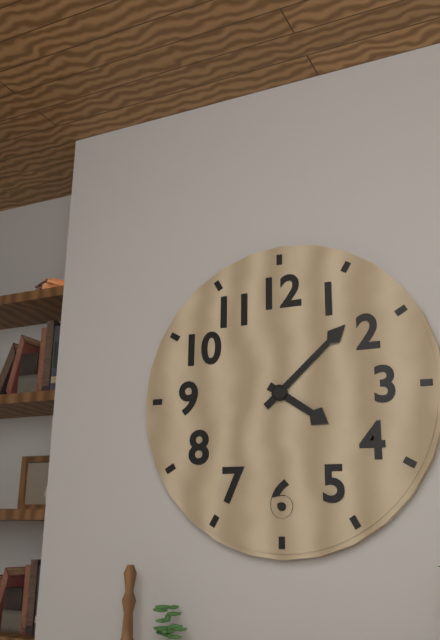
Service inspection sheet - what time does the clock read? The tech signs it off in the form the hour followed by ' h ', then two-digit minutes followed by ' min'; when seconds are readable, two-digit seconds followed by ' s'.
4 h 08 min
